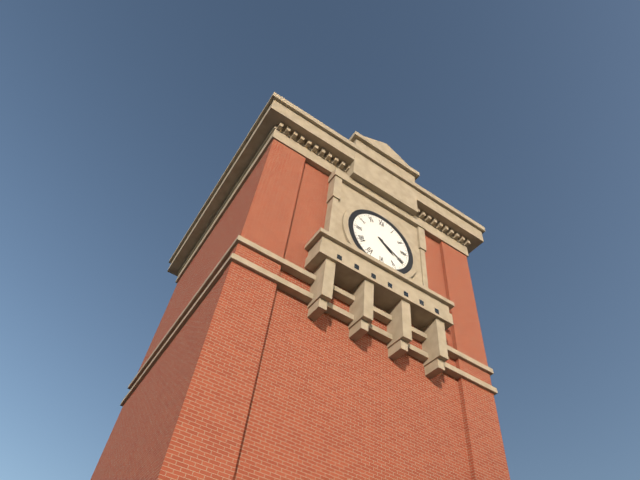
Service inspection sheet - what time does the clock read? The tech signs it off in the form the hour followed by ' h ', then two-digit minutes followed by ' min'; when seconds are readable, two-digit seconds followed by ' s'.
4 h 20 min
